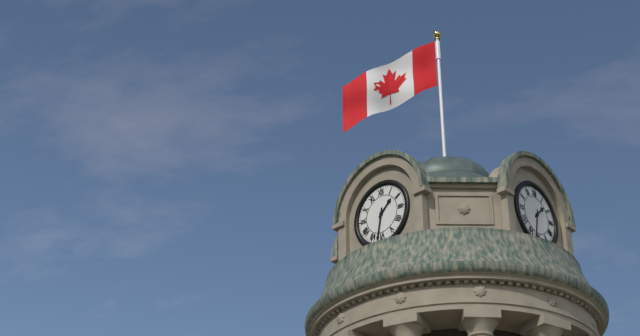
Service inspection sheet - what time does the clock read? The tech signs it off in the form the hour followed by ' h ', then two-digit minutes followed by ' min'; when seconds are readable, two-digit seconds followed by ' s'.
1 h 32 min
